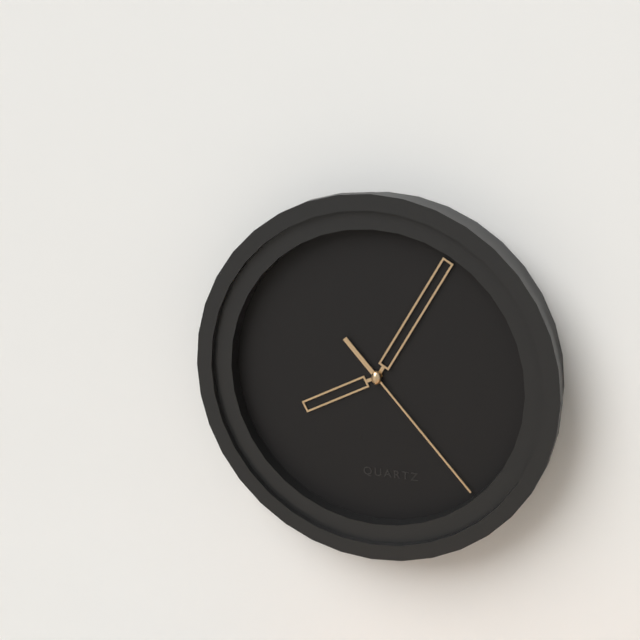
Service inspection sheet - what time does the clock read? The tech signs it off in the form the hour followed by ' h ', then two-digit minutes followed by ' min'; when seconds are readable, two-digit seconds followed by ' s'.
8 h 05 min 23 s
